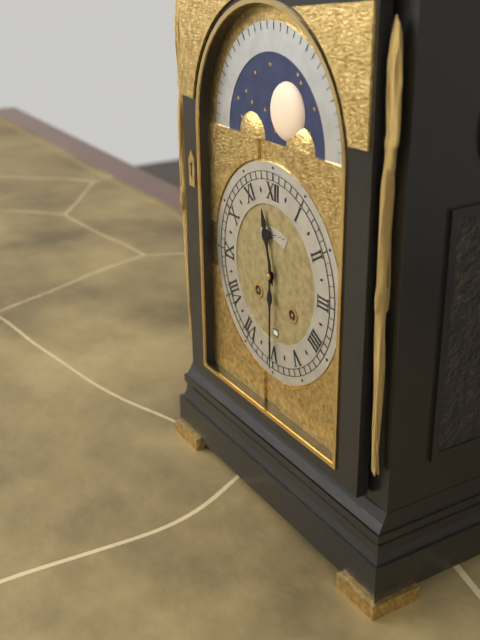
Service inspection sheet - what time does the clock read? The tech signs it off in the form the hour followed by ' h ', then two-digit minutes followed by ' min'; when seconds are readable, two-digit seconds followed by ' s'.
11 h 30 min
